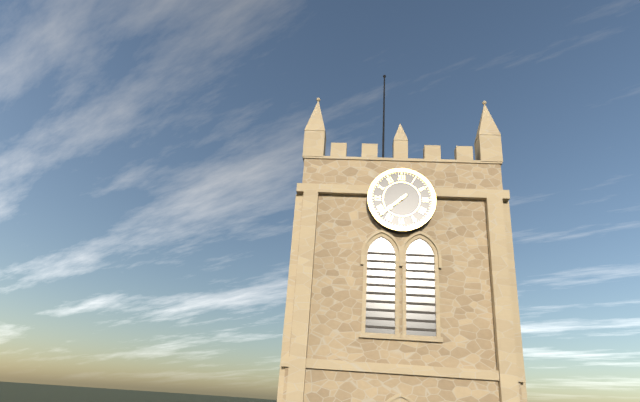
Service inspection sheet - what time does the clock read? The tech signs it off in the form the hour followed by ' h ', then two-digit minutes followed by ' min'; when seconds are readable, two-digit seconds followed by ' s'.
7 h 38 min
